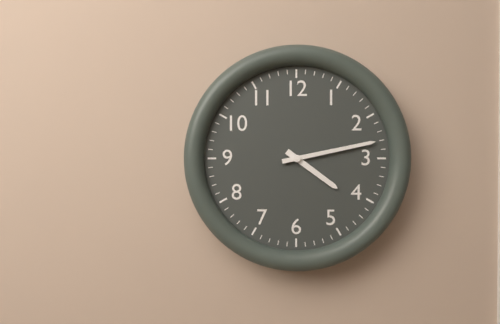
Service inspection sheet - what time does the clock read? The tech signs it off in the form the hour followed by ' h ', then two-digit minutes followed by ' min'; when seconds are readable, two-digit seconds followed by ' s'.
4 h 13 min
